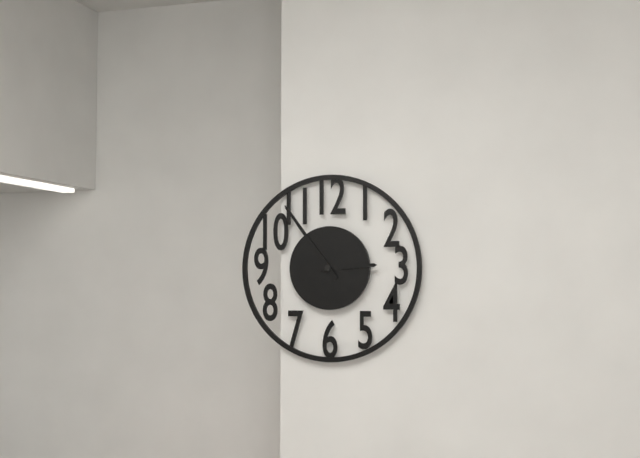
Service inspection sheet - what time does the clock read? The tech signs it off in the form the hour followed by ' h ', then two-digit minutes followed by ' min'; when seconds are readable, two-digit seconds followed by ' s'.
2 h 54 min
